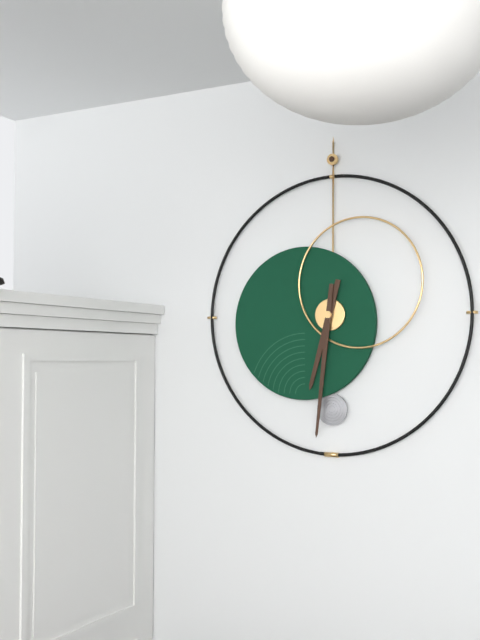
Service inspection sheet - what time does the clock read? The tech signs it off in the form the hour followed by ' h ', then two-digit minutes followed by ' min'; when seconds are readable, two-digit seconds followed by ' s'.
6 h 31 min
